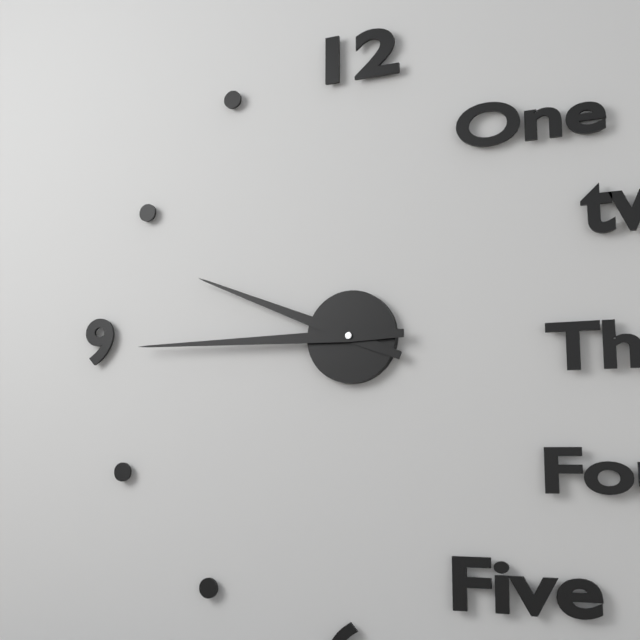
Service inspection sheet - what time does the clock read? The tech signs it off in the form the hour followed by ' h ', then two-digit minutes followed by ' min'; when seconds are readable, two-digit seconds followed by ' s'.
9 h 45 min
